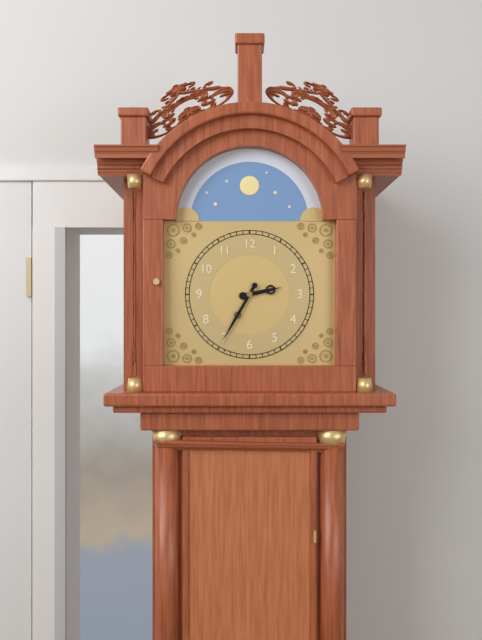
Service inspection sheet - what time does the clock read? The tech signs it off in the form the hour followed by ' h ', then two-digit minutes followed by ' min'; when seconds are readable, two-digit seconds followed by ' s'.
2 h 35 min
